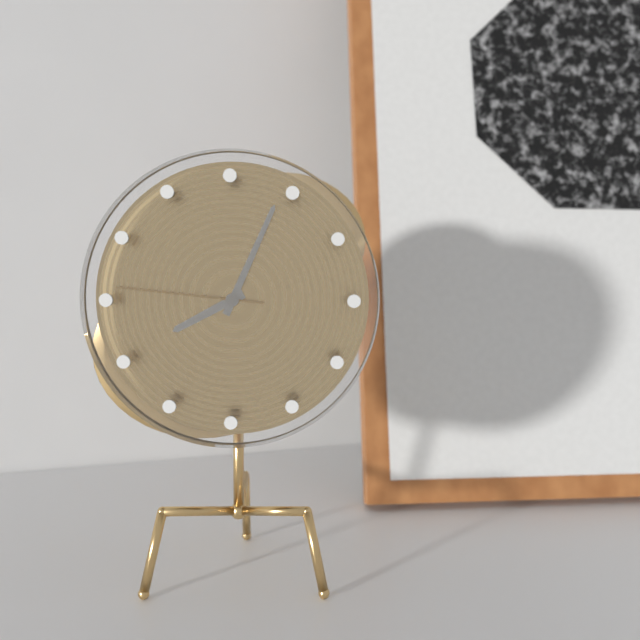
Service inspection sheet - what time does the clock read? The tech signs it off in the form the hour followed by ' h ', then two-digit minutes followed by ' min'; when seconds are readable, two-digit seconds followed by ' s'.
8 h 04 min 46 s
